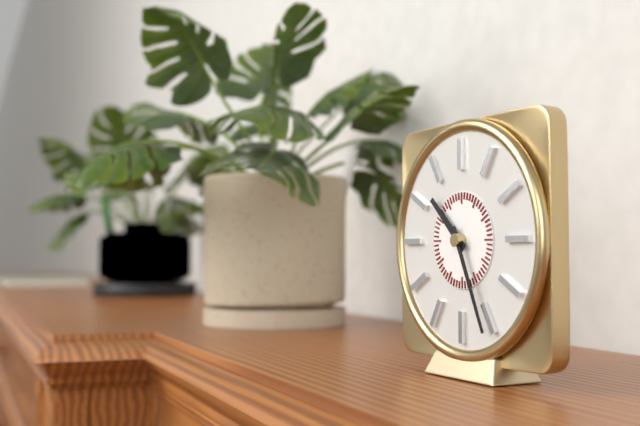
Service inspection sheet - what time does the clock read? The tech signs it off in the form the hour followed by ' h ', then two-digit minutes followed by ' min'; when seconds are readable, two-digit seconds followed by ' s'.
10 h 26 min
